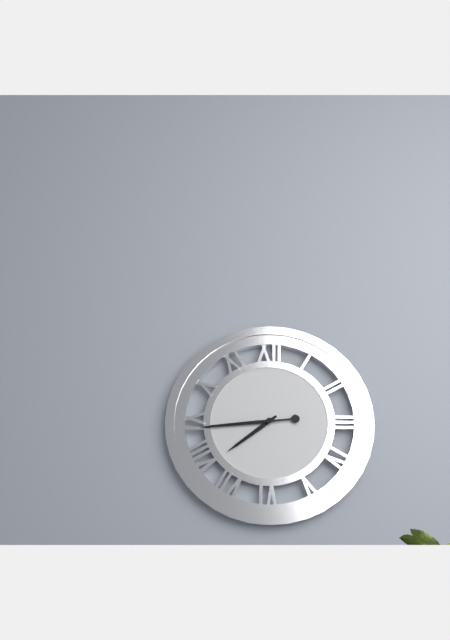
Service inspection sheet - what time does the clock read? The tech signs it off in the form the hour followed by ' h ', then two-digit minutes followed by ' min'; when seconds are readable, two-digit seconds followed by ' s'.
7 h 44 min
